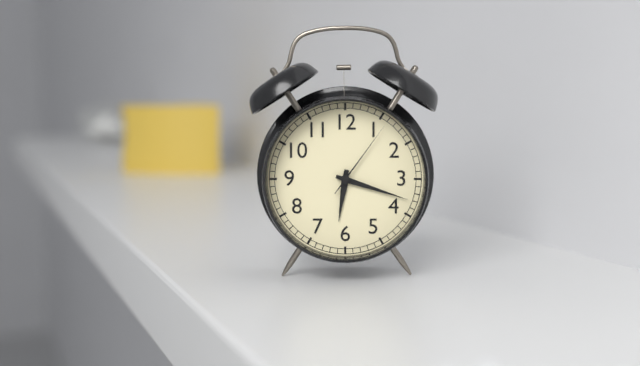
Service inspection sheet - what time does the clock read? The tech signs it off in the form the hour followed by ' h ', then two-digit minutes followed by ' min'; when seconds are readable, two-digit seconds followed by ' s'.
6 h 18 min 06 s
